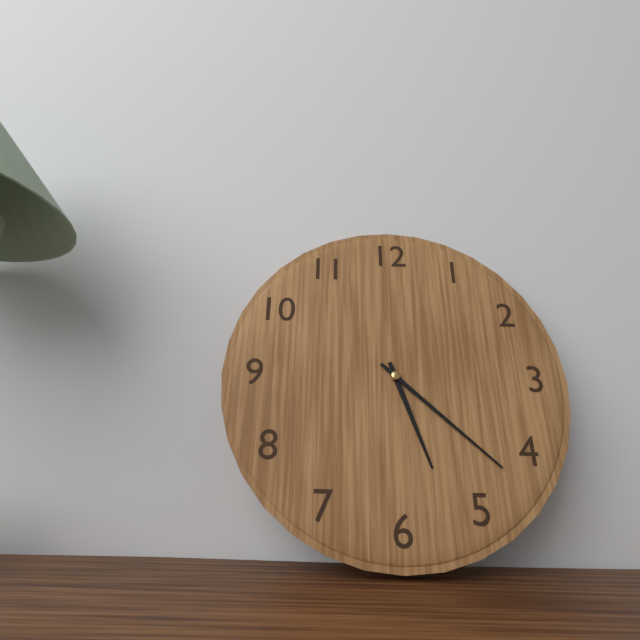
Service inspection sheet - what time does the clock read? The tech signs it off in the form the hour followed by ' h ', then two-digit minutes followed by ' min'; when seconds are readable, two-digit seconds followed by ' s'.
5 h 22 min
